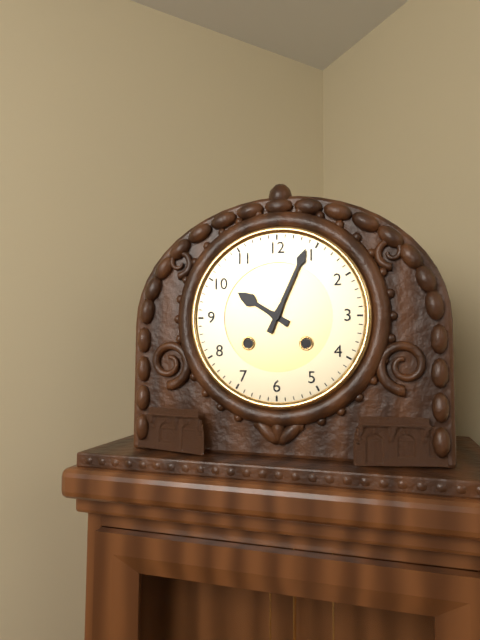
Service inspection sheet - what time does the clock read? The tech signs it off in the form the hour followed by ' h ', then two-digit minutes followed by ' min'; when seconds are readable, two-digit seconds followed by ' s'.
10 h 04 min
